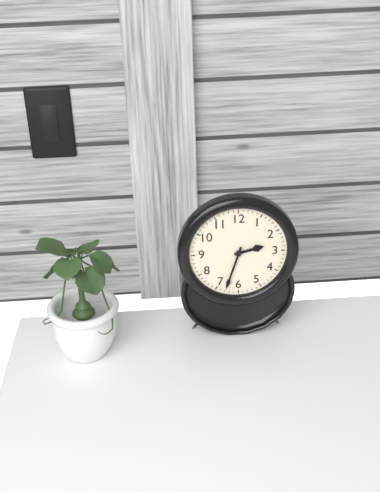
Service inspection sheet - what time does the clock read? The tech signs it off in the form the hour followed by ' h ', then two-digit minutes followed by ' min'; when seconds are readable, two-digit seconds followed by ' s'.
2 h 33 min
